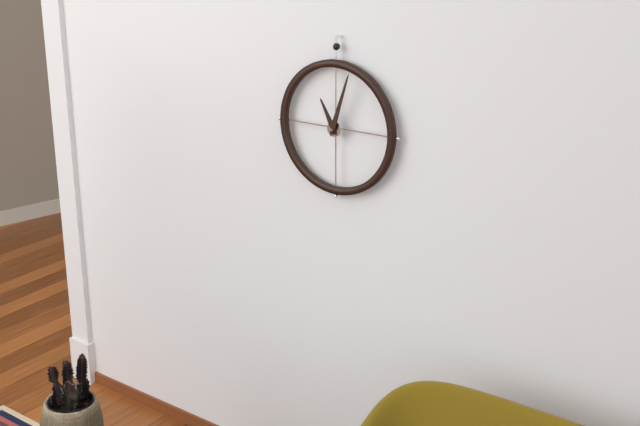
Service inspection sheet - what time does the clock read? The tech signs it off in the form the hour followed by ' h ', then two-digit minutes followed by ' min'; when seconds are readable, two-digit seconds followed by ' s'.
11 h 03 min
